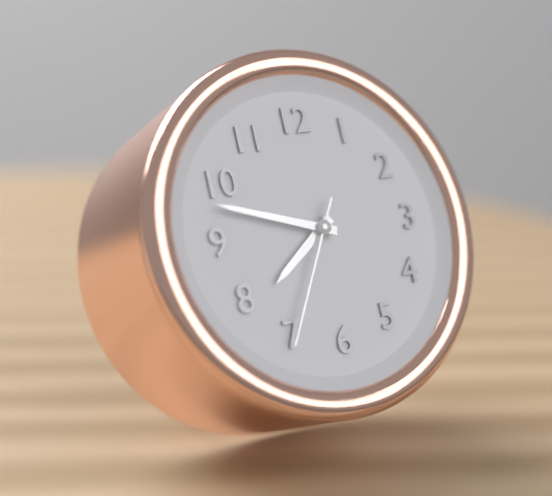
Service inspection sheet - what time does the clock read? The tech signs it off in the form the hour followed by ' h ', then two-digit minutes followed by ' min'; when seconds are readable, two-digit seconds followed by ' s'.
7 h 48 min 35 s
